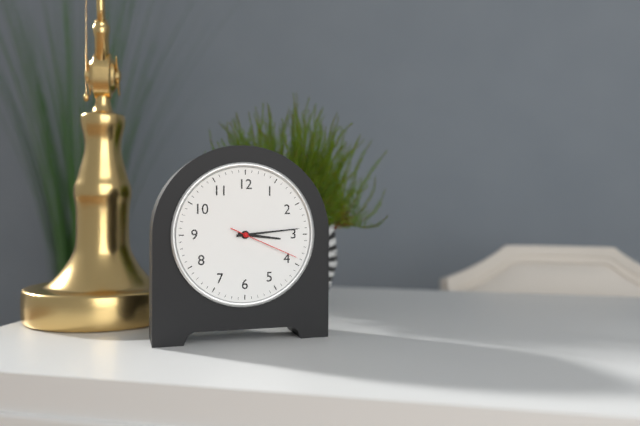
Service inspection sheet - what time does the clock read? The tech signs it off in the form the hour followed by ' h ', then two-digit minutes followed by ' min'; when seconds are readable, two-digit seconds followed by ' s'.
3 h 14 min 19 s
